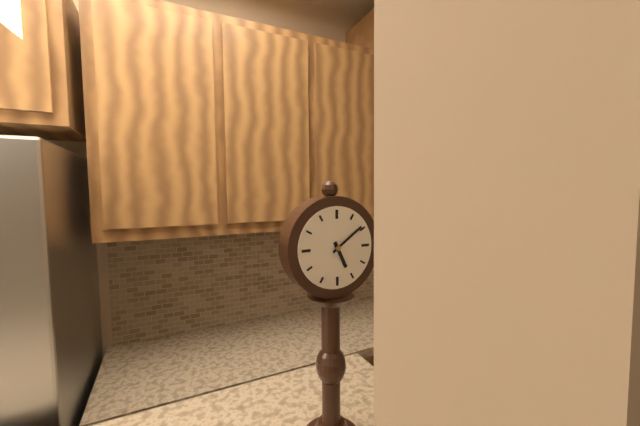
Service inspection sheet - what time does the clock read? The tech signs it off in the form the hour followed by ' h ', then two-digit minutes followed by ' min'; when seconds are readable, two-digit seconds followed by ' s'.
5 h 09 min
